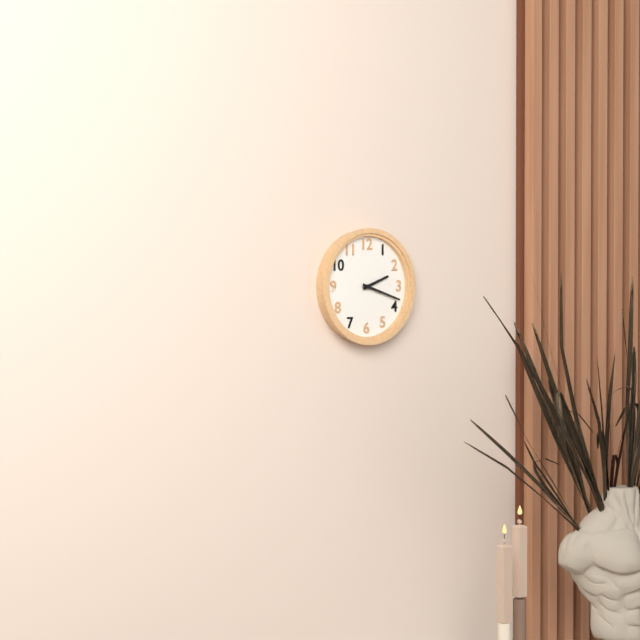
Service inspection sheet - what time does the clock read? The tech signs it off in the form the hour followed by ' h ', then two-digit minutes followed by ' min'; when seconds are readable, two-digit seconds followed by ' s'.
2 h 18 min
